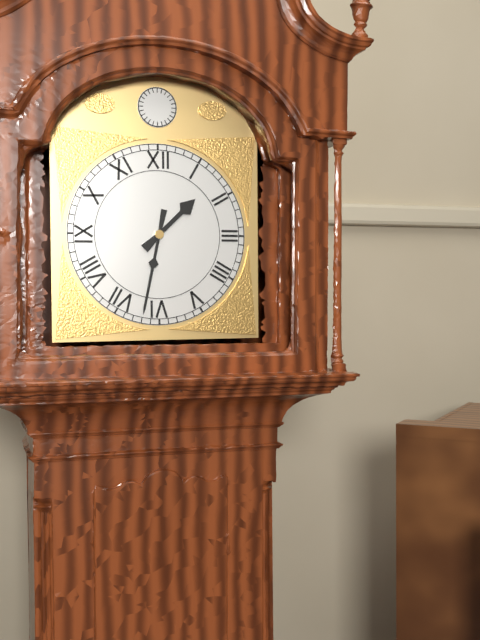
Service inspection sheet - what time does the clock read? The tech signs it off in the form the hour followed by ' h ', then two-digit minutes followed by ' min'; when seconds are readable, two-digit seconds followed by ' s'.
1 h 32 min
